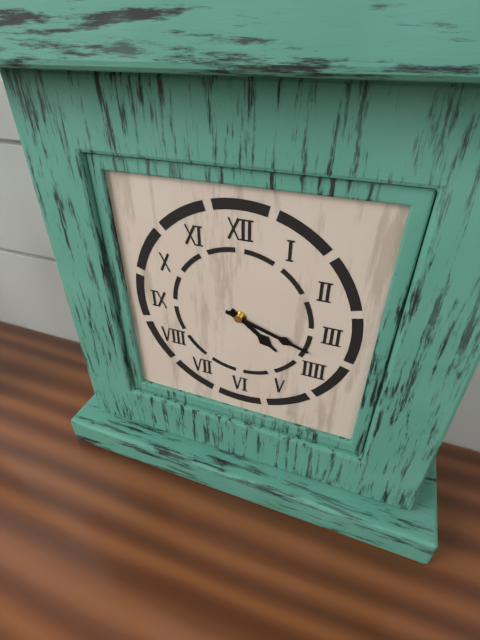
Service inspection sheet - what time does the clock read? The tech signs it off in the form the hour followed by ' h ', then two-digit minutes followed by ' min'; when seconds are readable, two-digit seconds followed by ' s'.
4 h 18 min
